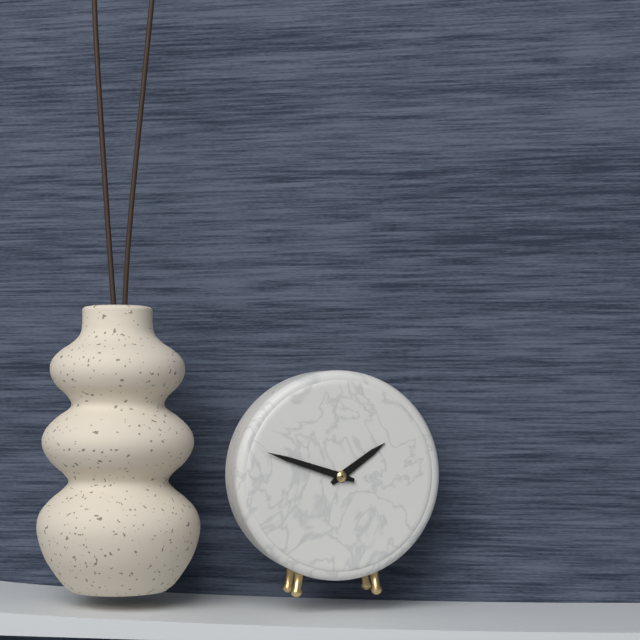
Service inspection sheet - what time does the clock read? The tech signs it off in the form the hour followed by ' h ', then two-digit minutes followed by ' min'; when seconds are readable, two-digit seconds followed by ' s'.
1 h 48 min
